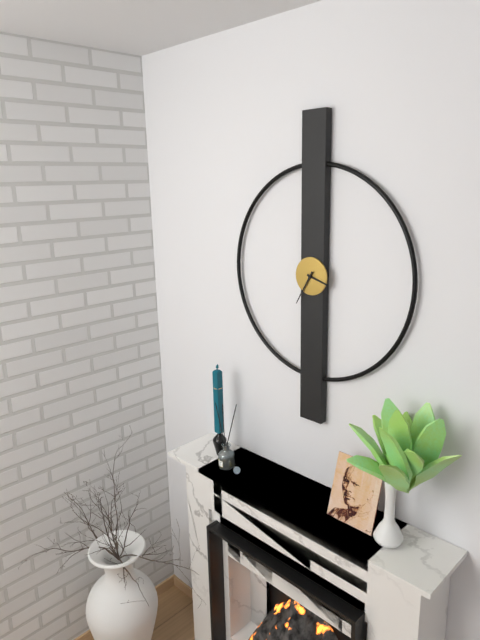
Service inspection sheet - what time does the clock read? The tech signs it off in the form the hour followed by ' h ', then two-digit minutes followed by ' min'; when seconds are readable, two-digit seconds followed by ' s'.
3 h 35 min
